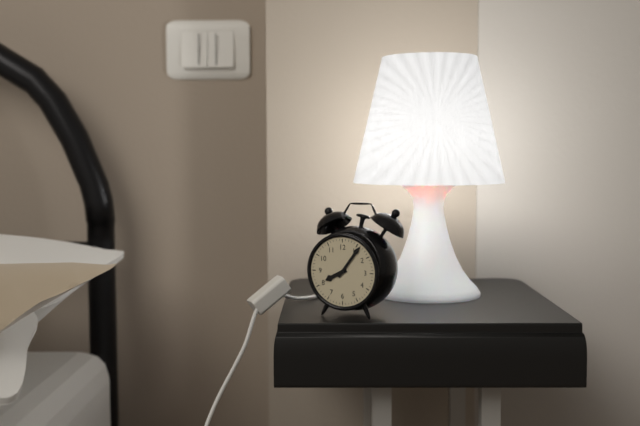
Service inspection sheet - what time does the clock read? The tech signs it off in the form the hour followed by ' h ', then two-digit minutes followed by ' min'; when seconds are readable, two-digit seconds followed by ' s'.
8 h 06 min
